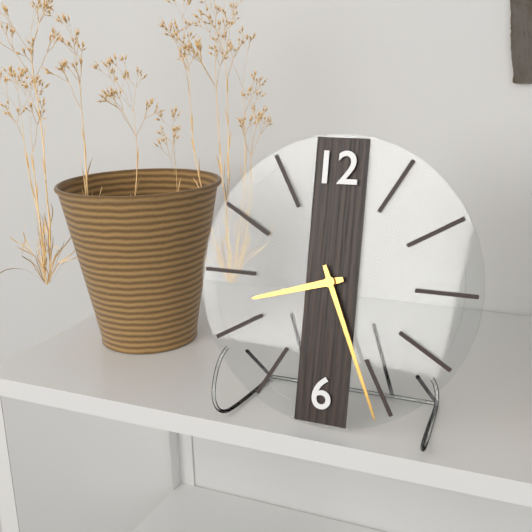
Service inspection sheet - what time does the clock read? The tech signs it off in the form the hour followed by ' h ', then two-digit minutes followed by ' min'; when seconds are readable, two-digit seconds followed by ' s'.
8 h 26 min
